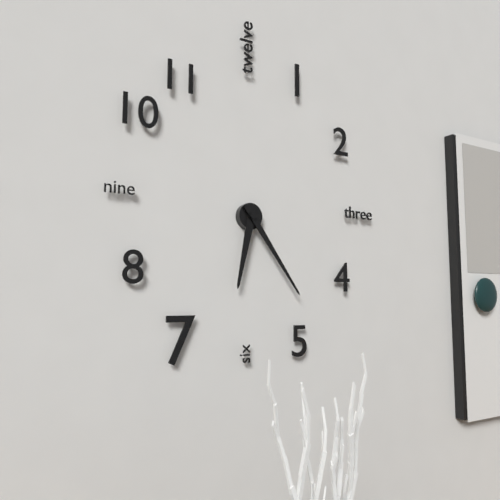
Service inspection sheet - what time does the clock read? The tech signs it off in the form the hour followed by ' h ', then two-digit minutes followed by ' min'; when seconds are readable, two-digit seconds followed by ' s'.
6 h 24 min
